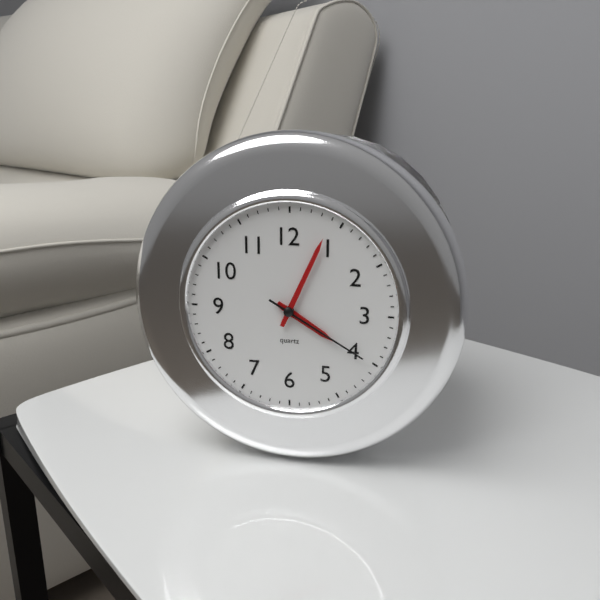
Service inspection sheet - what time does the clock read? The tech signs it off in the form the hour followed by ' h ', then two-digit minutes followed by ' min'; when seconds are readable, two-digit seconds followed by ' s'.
4 h 04 min 20 s
